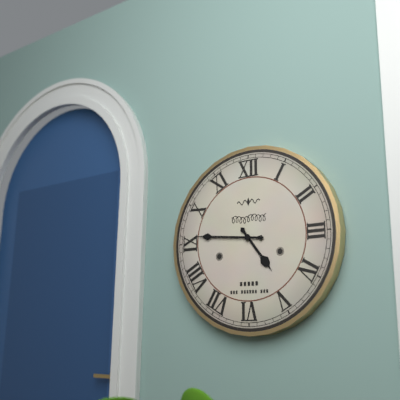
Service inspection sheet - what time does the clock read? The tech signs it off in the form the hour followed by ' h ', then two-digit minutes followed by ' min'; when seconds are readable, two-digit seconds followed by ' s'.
4 h 46 min
